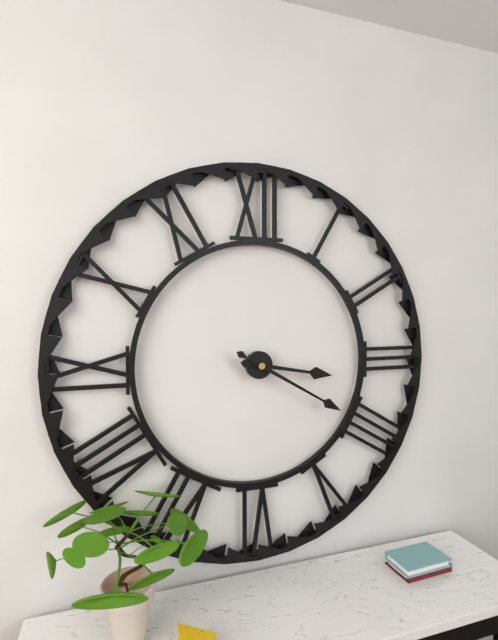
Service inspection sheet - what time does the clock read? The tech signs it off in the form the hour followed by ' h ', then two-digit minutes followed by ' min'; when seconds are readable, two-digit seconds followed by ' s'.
3 h 20 min
